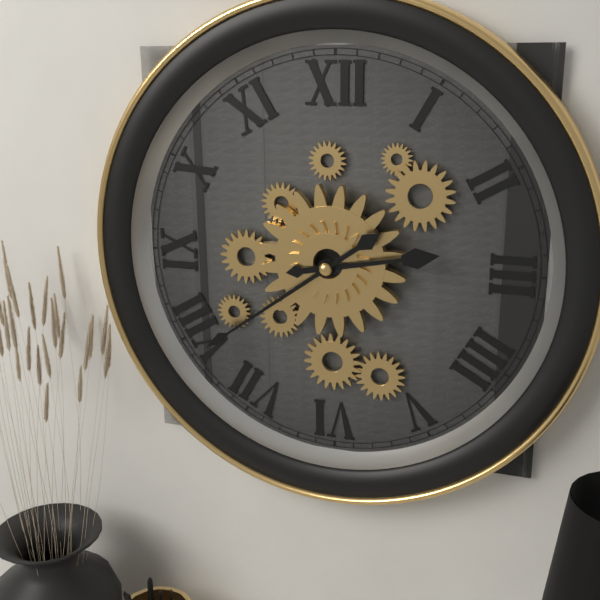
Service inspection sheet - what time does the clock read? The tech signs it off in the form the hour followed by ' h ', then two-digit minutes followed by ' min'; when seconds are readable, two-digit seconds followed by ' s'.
2 h 39 min
